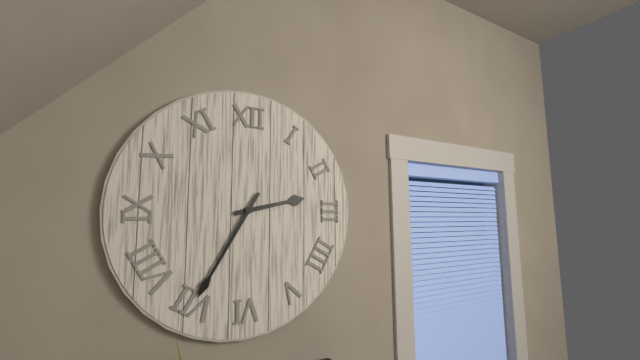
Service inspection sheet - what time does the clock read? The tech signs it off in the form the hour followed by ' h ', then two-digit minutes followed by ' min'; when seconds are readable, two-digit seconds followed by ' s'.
2 h 35 min
